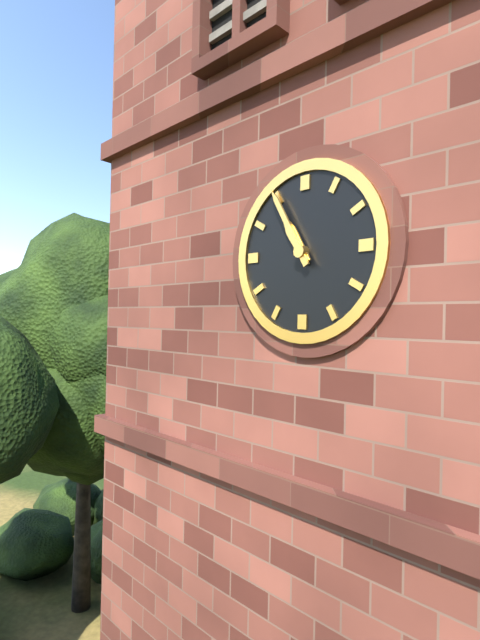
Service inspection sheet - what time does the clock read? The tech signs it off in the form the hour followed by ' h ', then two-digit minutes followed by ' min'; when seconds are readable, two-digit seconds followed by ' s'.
10 h 55 min
